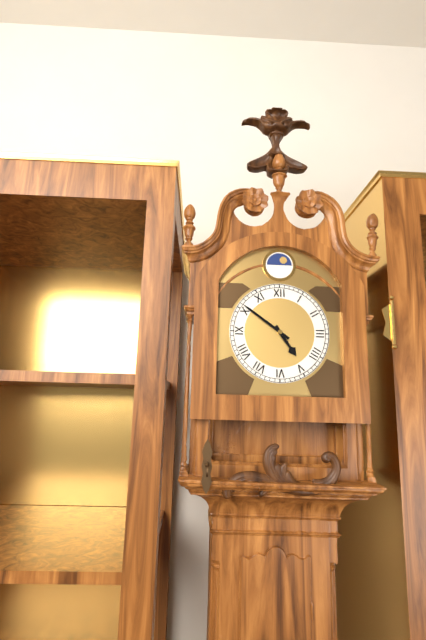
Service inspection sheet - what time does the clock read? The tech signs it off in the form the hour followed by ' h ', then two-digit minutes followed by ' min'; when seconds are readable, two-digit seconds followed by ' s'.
4 h 51 min
